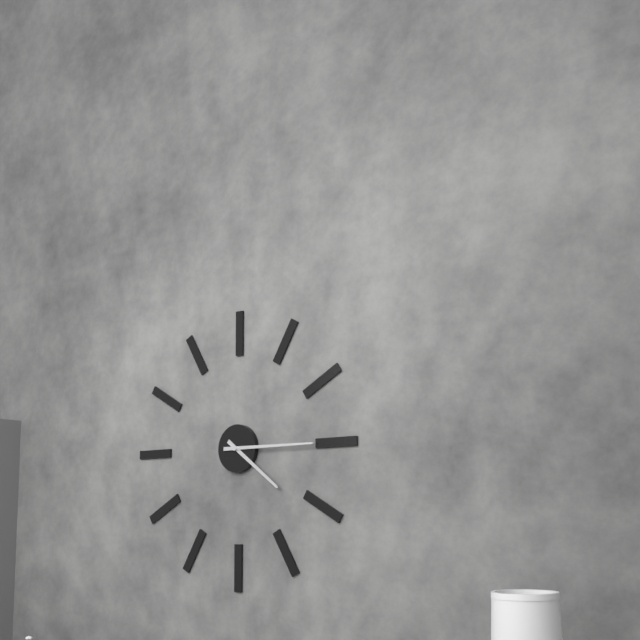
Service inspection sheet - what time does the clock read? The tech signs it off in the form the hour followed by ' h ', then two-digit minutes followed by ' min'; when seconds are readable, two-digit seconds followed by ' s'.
4 h 15 min
